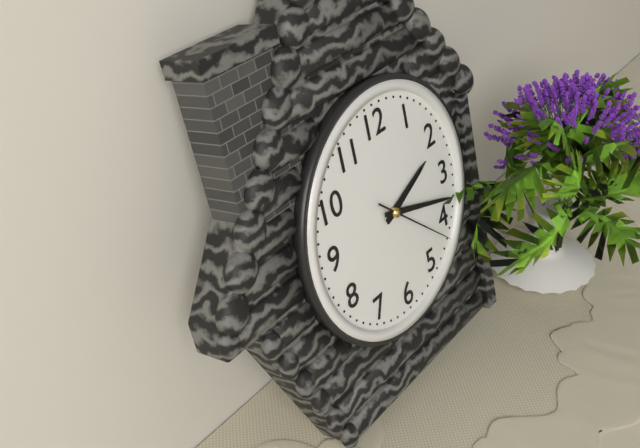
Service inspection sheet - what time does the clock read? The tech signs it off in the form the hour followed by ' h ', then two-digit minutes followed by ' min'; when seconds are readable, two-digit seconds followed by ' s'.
2 h 18 min 22 s
